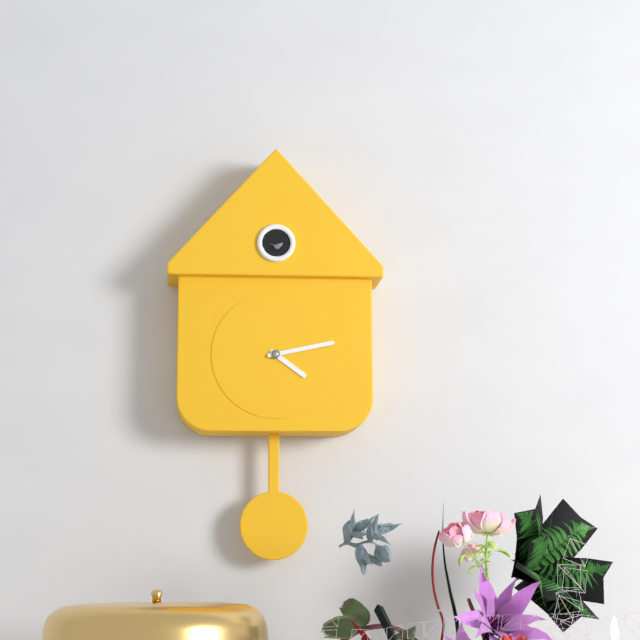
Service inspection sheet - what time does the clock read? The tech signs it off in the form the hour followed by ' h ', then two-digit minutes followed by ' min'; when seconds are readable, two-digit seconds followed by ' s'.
4 h 13 min
